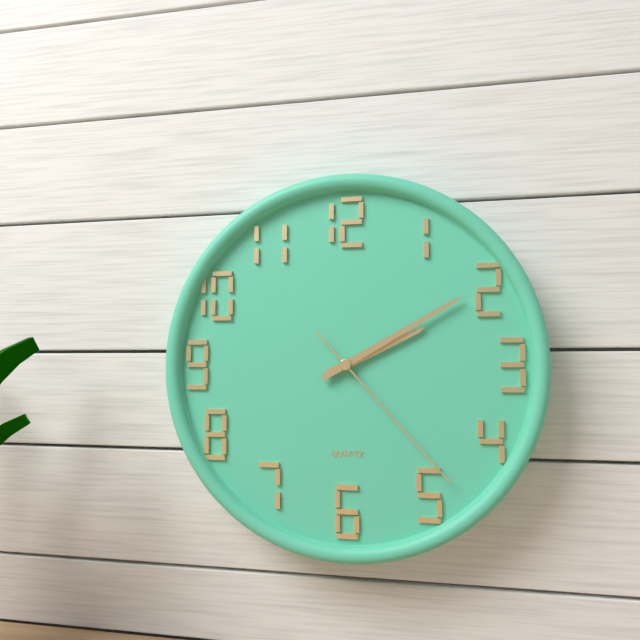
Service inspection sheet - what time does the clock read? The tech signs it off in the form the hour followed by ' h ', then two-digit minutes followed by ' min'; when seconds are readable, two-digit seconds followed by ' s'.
2 h 10 min 23 s
